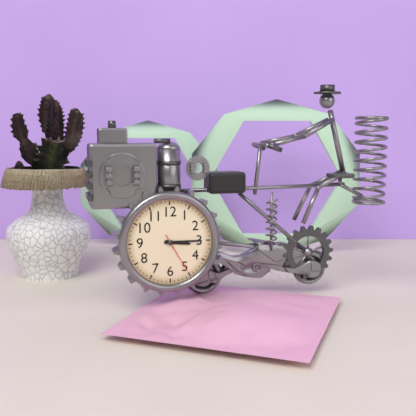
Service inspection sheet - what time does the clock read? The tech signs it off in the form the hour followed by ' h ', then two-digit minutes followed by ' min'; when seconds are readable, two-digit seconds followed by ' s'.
3 h 15 min
